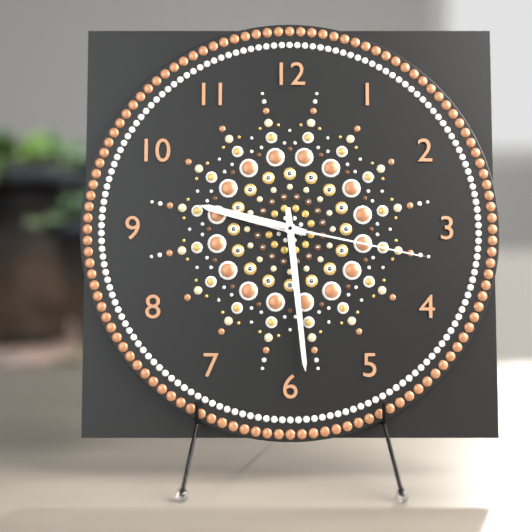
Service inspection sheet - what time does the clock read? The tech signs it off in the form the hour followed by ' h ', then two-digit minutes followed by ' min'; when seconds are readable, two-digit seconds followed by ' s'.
9 h 29 min 17 s
